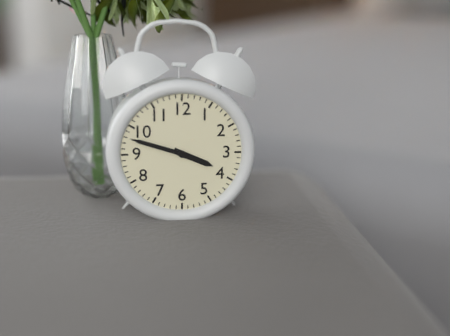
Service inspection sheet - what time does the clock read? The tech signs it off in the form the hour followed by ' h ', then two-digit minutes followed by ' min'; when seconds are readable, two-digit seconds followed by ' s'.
3 h 48 min
